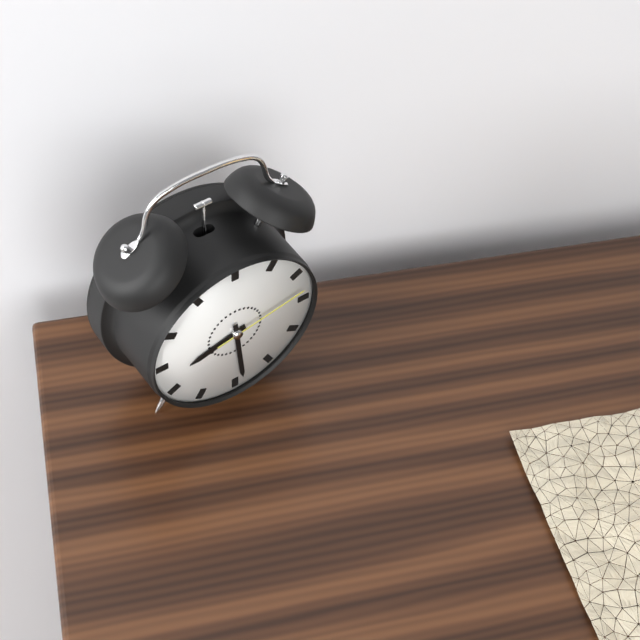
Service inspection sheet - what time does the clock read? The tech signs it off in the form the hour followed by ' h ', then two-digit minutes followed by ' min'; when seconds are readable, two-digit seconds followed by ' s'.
8 h 29 min 13 s
